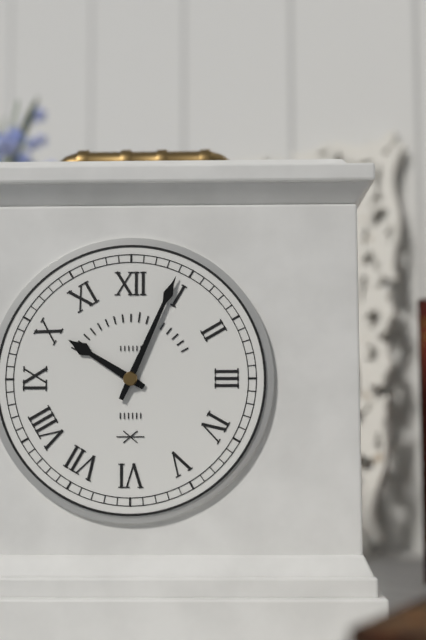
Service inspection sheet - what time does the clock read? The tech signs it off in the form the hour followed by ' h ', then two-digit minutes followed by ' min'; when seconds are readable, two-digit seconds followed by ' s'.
10 h 04 min
